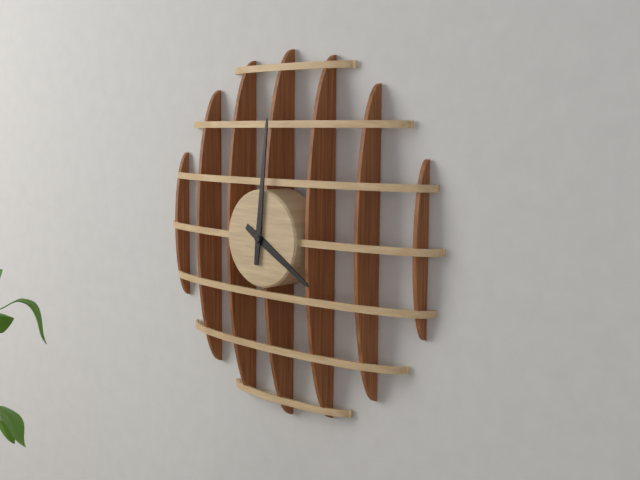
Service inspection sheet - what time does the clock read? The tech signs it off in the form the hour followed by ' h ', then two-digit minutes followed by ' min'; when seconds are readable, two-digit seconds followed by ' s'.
4 h 01 min
